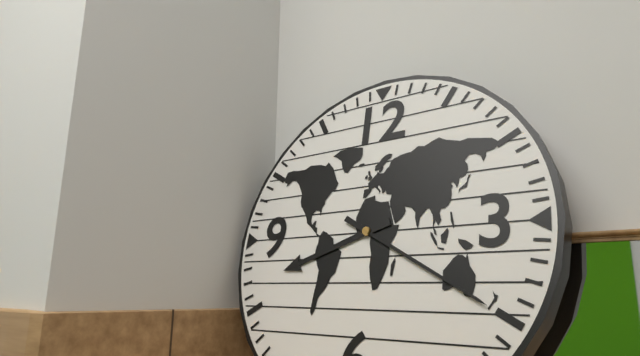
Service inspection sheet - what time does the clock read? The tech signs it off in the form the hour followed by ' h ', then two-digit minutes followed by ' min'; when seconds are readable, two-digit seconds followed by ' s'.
8 h 20 min
